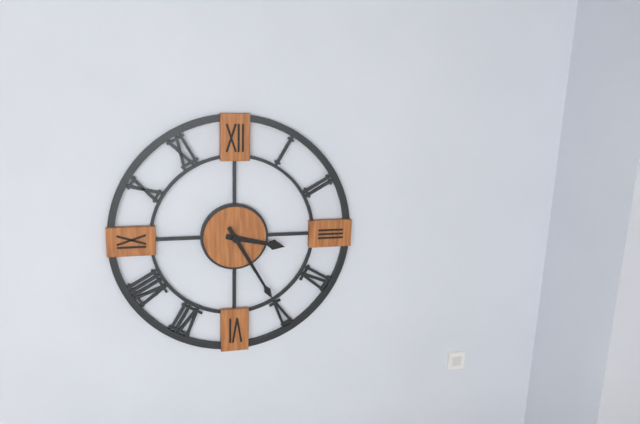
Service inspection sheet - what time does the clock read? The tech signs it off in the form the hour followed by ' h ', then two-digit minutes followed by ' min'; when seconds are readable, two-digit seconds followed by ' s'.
3 h 25 min
